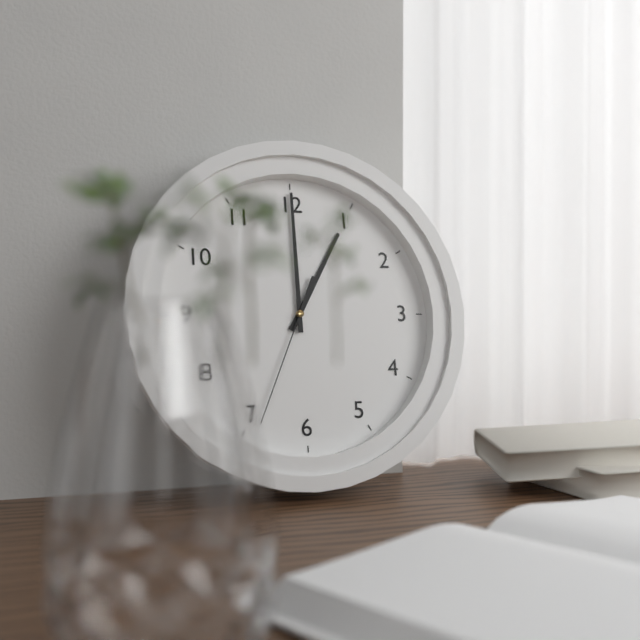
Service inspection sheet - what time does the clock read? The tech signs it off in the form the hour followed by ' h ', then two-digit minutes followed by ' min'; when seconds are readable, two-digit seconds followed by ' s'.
1 h 00 min 34 s
